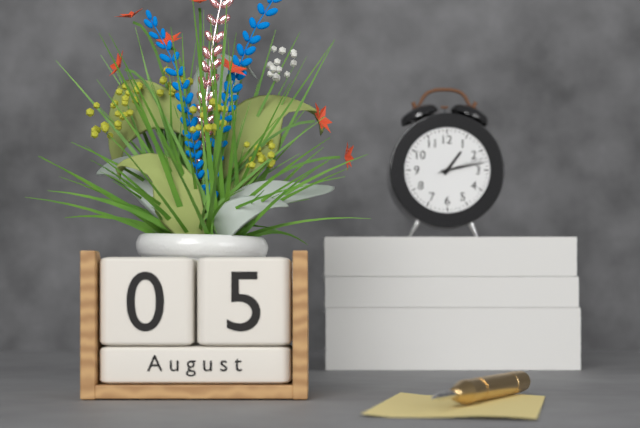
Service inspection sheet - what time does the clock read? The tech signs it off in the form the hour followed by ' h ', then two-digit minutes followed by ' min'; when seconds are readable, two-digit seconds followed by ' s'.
1 h 13 min
